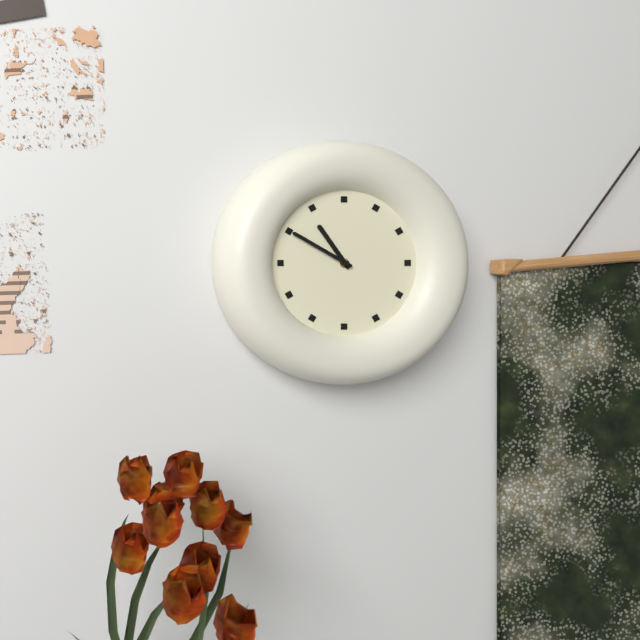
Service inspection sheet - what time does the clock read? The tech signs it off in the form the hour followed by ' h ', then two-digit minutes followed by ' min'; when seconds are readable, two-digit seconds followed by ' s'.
10 h 50 min
